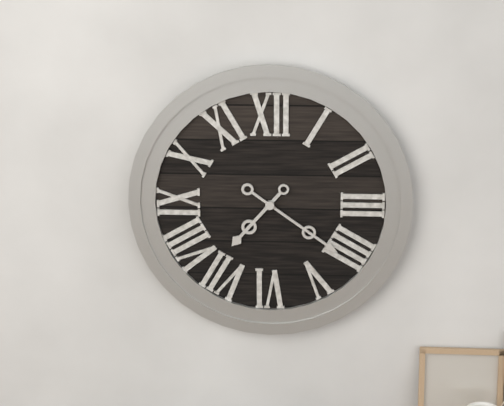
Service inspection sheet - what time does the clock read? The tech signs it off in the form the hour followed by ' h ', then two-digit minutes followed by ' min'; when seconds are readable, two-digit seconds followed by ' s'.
7 h 21 min
